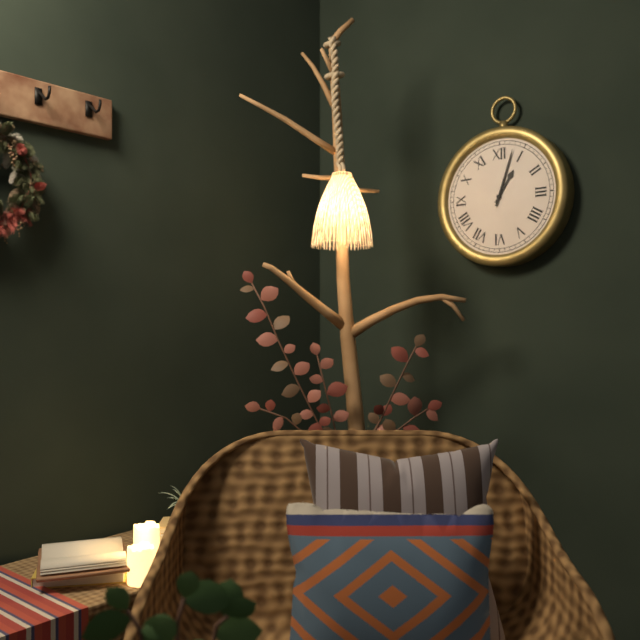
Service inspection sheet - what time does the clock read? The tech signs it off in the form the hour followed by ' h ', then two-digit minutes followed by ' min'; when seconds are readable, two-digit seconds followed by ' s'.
1 h 03 min
